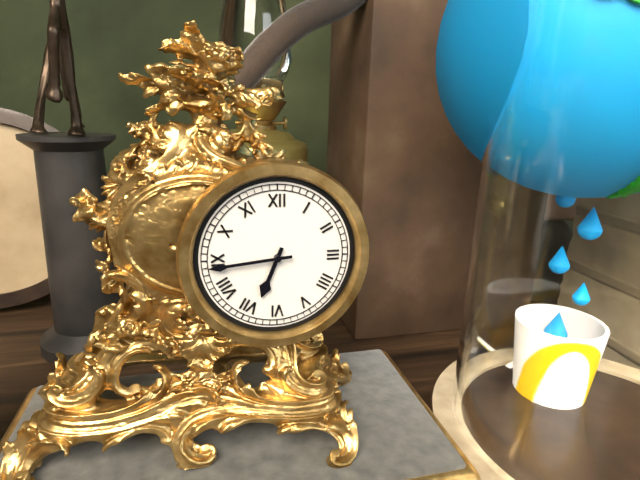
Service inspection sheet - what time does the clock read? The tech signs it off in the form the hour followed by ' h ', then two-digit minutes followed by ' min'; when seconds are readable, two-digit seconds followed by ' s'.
6 h 44 min
